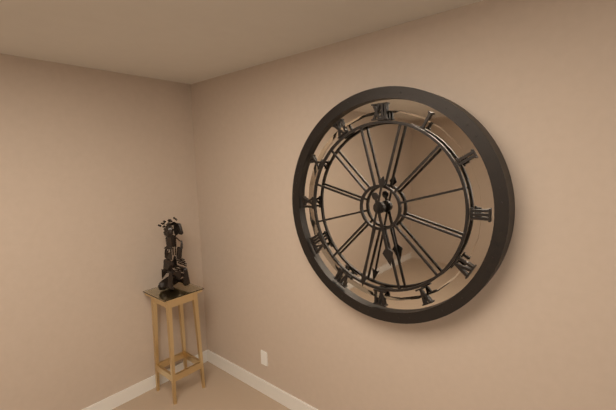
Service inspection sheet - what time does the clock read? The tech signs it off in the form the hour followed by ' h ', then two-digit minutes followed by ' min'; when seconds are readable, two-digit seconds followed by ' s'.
5 h 32 min
